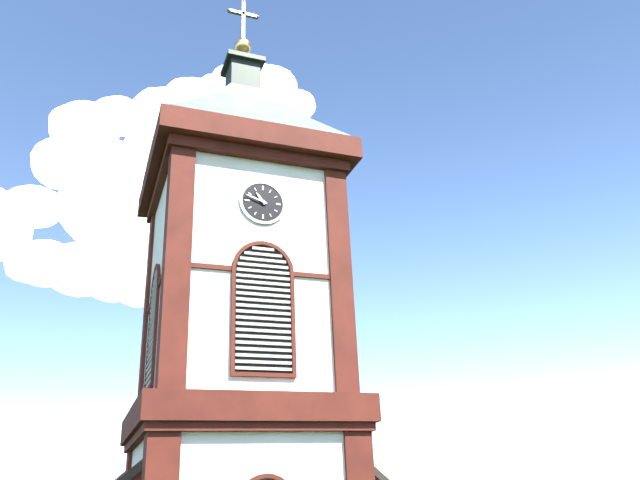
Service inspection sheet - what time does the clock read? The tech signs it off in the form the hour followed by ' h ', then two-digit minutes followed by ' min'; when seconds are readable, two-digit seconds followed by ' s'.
10 h 48 min
